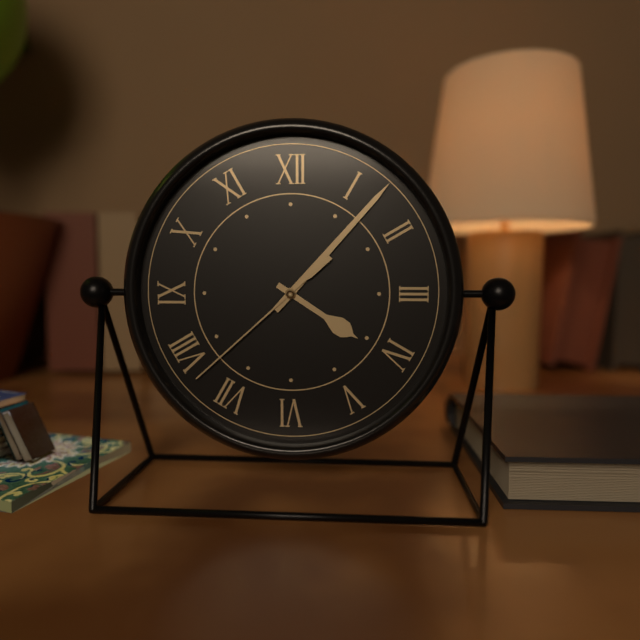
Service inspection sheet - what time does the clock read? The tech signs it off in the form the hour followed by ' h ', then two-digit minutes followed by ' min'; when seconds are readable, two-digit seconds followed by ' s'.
4 h 07 min 38 s
